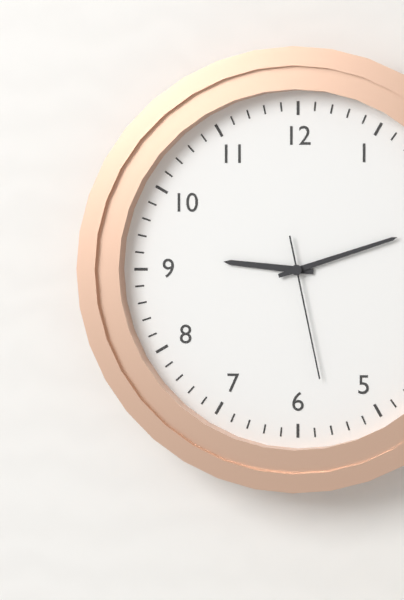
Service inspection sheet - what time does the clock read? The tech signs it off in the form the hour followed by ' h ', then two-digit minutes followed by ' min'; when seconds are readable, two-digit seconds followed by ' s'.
9 h 12 min 28 s
